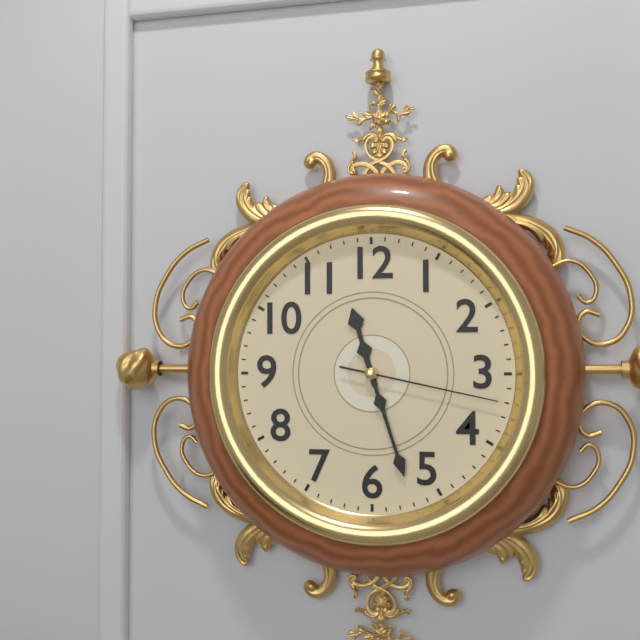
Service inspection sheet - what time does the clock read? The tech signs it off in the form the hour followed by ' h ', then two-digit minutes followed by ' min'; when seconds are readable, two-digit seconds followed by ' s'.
11 h 27 min 17 s
